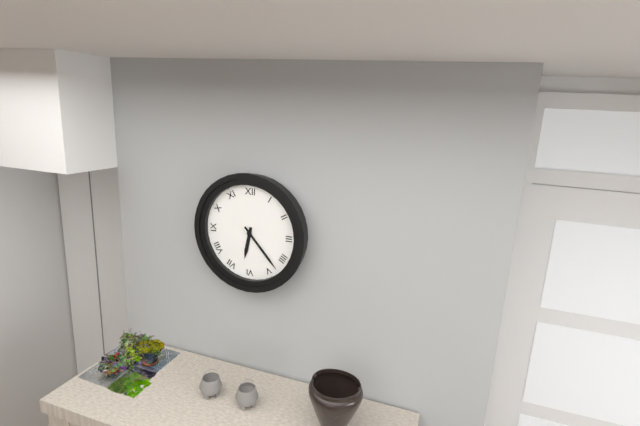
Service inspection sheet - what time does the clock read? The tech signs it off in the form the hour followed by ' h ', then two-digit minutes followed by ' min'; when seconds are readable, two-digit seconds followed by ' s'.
6 h 23 min
